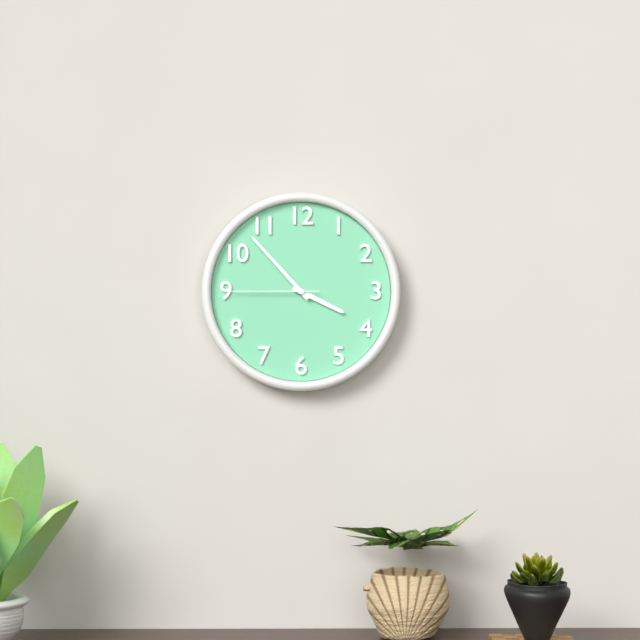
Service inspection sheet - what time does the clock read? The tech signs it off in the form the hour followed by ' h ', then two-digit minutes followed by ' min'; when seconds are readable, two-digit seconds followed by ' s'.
3 h 53 min 45 s
